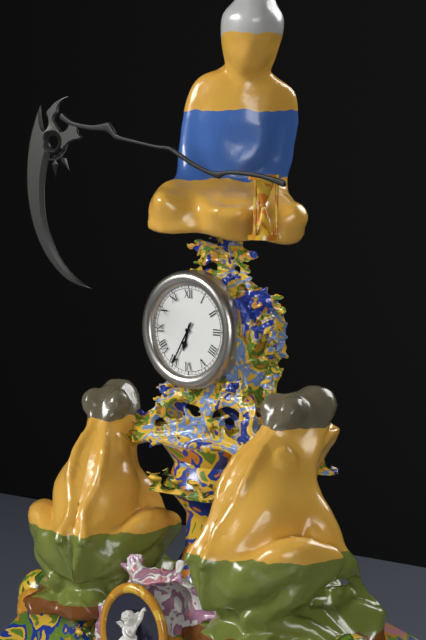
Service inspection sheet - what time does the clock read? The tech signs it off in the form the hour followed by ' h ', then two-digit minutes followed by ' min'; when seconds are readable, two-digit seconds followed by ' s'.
6 h 35 min
